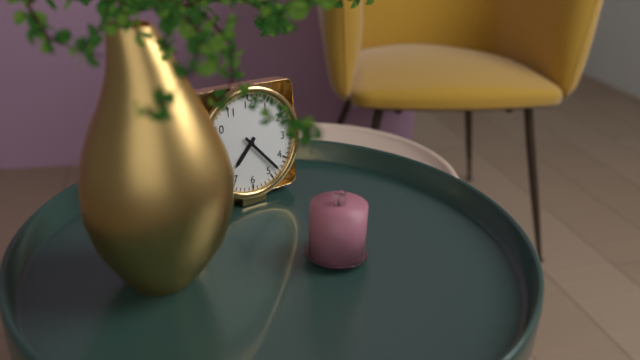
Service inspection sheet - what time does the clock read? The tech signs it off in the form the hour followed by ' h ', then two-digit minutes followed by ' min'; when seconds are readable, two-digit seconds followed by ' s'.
7 h 23 min
